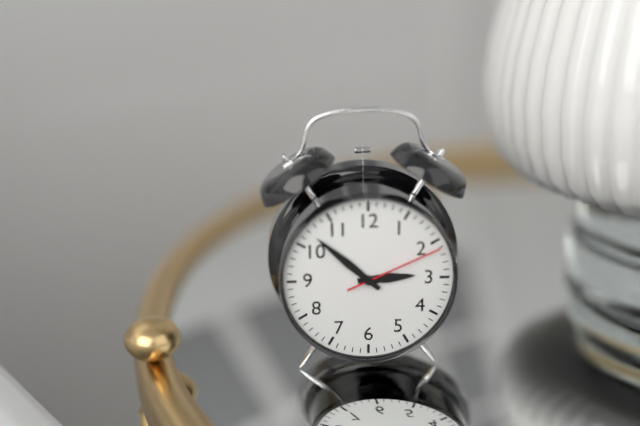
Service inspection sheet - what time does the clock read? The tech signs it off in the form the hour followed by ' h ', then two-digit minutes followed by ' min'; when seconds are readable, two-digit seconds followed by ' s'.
2 h 52 min 11 s
